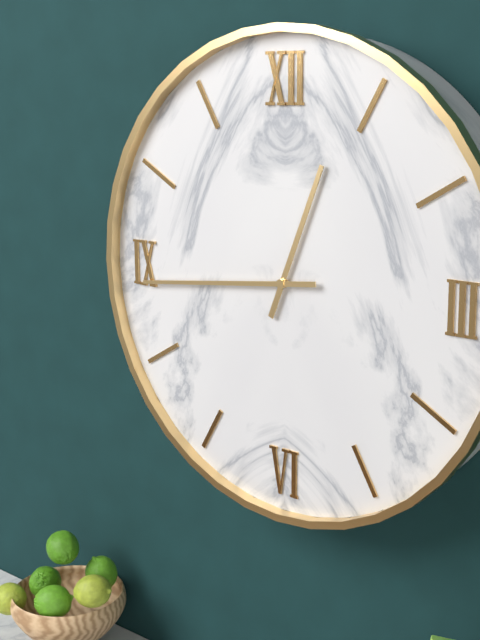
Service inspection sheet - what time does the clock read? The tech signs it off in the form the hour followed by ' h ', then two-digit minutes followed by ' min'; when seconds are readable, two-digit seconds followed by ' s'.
12 h 44 min
